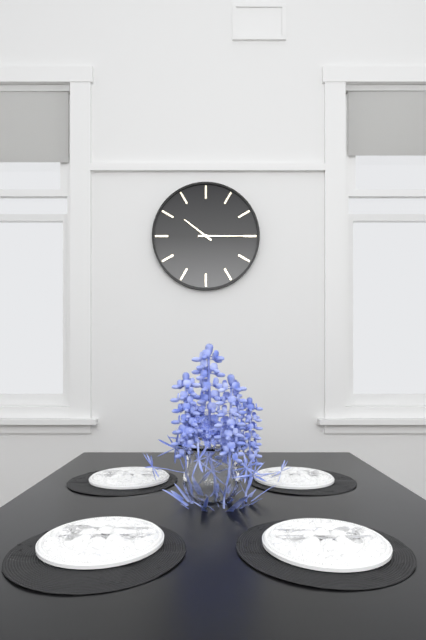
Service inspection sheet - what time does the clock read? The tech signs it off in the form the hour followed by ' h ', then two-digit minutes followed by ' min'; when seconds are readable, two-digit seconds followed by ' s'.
10 h 15 min
